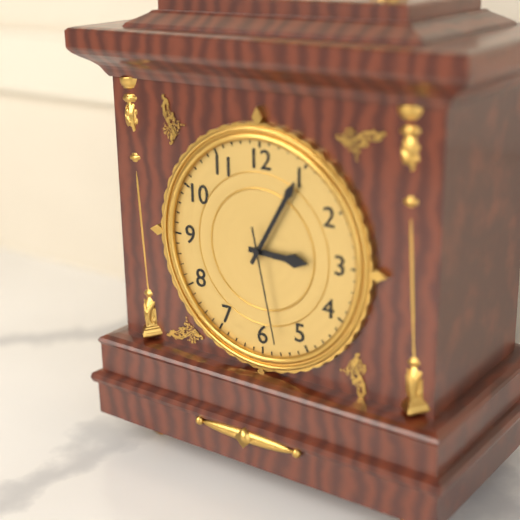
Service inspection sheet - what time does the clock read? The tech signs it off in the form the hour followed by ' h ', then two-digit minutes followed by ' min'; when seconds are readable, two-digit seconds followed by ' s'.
3 h 05 min 28 s
